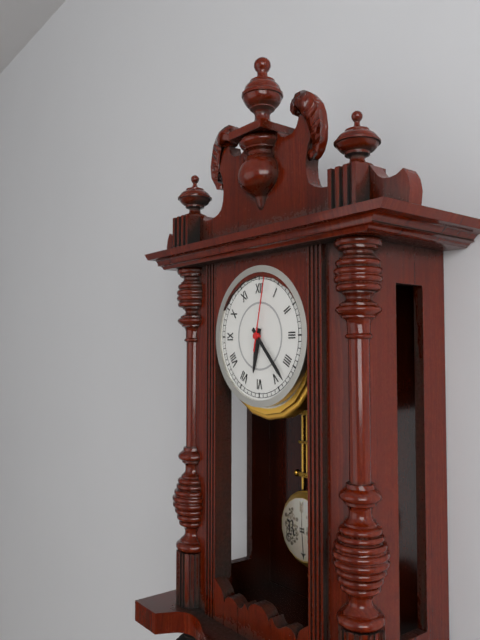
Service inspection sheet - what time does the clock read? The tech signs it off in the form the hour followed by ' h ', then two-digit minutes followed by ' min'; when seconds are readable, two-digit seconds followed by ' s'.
6 h 23 min 02 s
